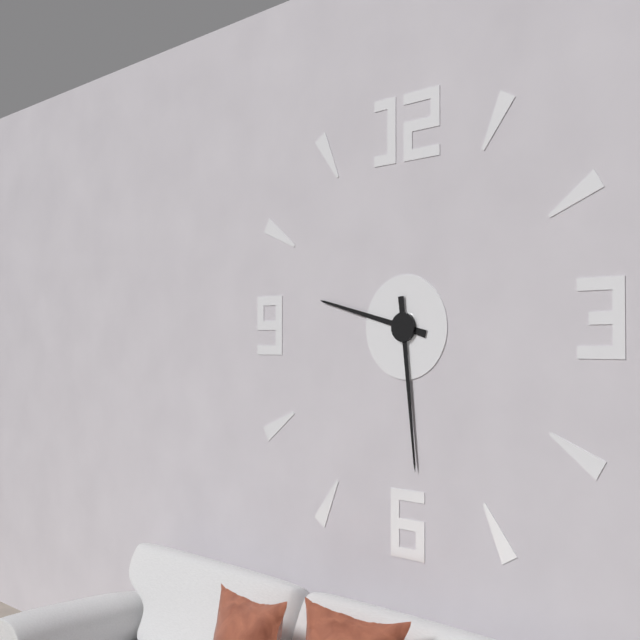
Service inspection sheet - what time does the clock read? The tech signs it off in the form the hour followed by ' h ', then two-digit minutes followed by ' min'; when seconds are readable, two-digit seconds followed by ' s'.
9 h 29 min
